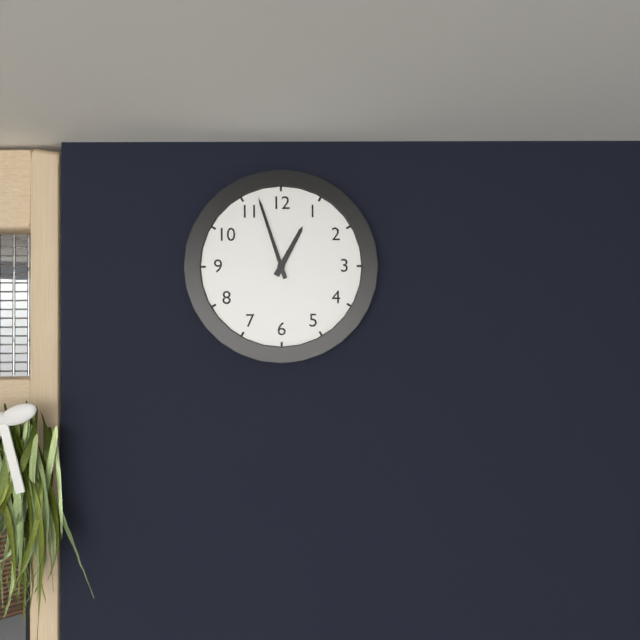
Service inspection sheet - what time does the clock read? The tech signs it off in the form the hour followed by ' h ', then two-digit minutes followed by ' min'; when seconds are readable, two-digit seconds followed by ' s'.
12 h 57 min
